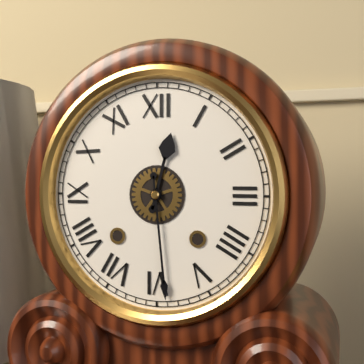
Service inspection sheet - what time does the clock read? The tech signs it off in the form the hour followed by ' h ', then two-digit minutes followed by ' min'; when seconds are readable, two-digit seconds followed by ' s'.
12 h 29 min
